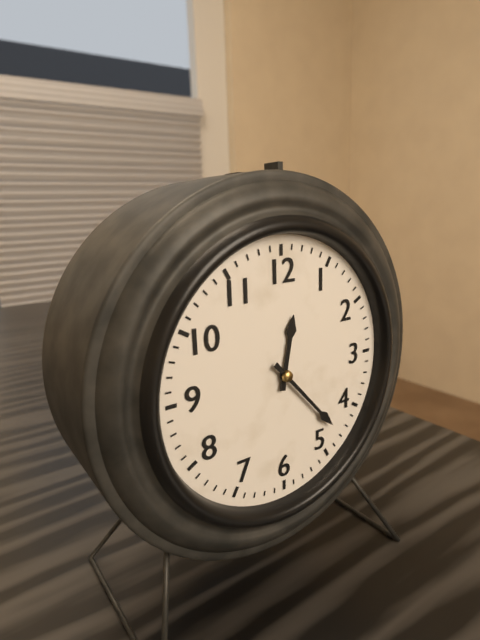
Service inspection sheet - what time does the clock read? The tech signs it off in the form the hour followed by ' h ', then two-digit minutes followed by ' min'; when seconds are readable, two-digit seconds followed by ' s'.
12 h 23 min
